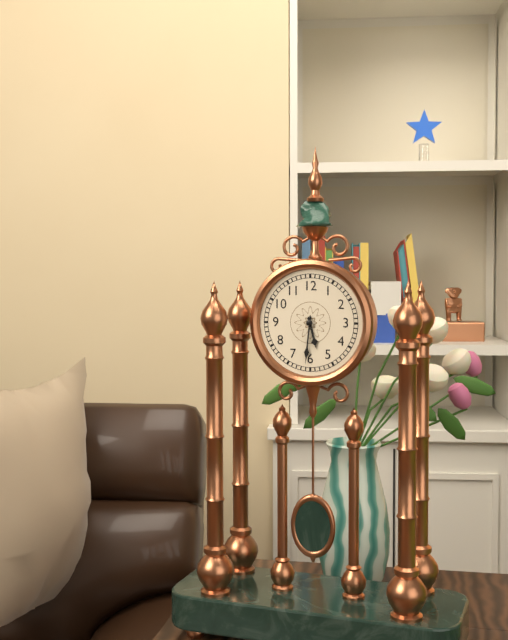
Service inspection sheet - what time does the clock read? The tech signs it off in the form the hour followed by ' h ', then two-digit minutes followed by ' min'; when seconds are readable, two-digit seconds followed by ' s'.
5 h 31 min
